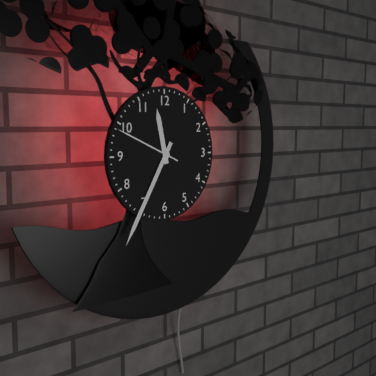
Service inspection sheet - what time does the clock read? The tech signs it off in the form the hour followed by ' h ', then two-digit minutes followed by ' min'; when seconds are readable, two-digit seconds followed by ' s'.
11 h 35 min 49 s
